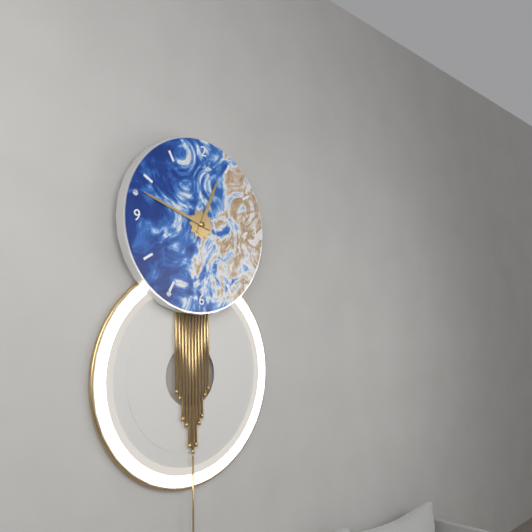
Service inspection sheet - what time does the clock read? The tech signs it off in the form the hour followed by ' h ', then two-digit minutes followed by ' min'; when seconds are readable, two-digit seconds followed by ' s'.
12 h 48 min
